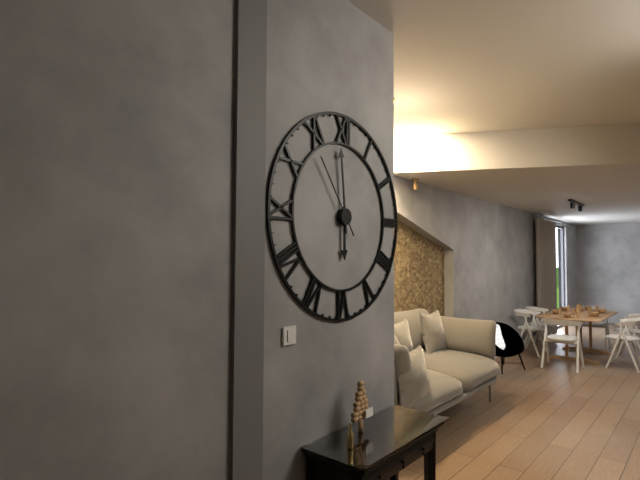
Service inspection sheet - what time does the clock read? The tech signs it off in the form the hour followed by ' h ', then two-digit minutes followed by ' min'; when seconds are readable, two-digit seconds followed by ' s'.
5 h 59 min 54 s
